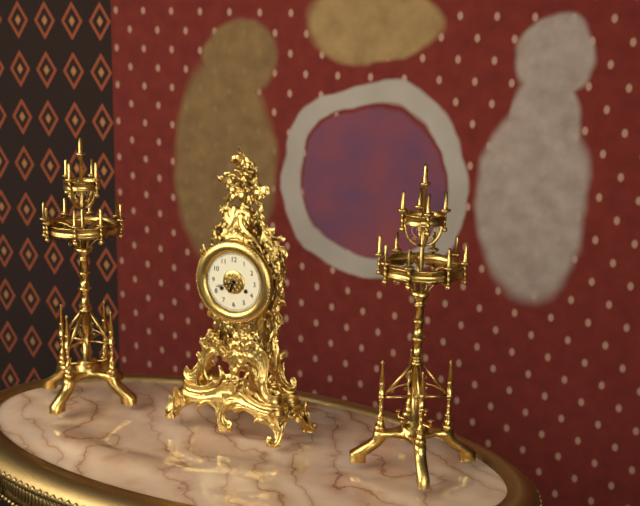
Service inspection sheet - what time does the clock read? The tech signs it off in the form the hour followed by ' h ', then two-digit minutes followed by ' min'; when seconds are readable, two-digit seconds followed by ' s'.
6 h 42 min
